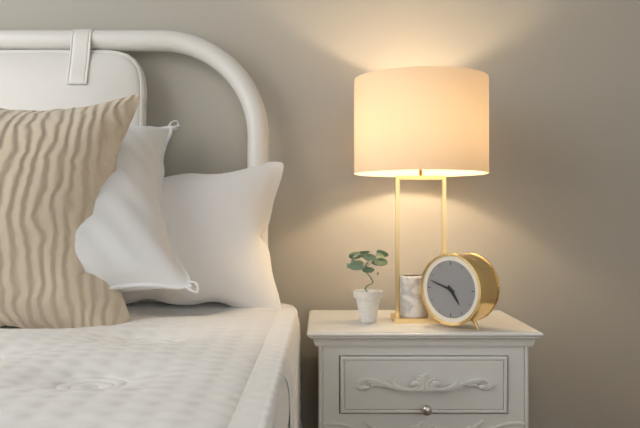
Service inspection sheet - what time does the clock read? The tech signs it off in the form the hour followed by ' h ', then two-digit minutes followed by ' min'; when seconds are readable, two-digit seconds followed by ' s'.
4 h 48 min
